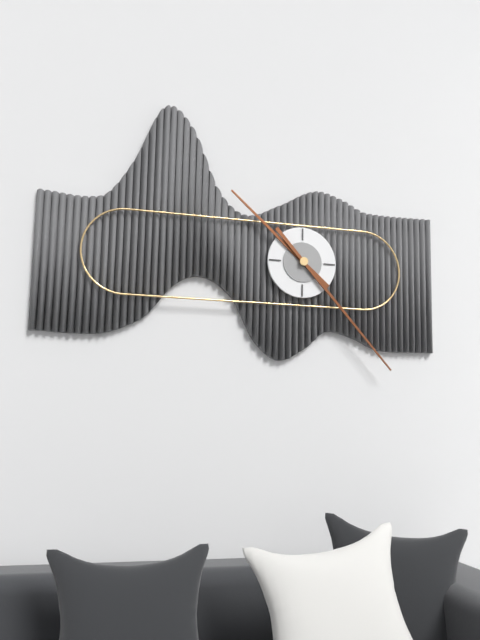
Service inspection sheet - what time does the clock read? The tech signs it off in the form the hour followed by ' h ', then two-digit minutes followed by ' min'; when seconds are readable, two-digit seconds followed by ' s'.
10 h 23 min
